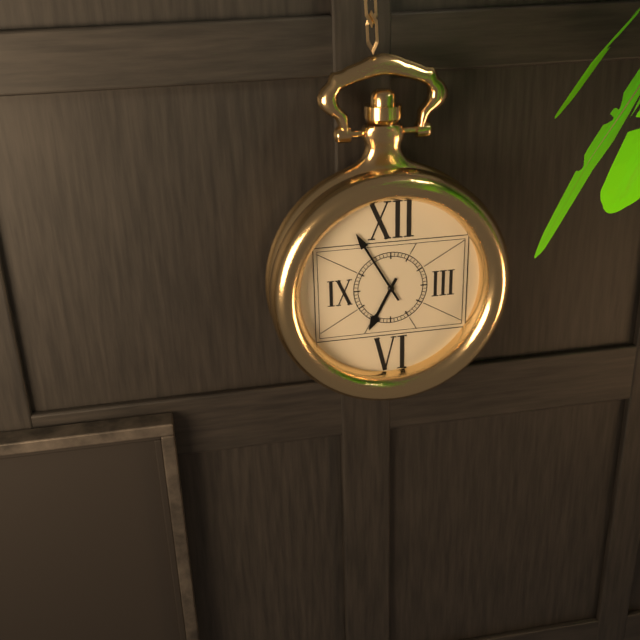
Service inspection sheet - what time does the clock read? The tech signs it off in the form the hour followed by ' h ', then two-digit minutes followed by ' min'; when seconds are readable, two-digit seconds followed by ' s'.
6 h 55 min
